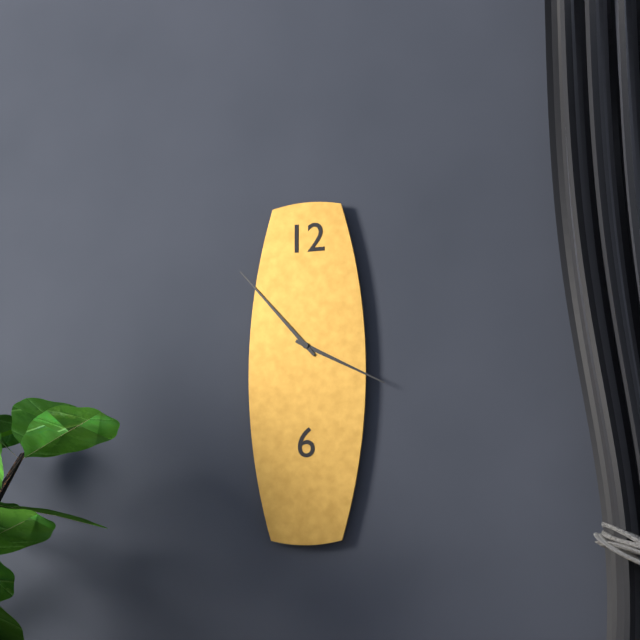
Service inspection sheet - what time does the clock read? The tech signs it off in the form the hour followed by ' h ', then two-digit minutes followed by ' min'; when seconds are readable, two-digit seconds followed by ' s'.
3 h 53 min
